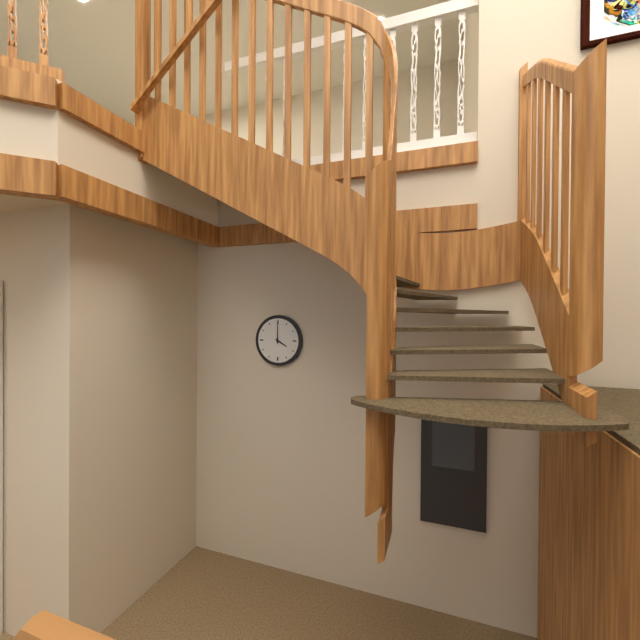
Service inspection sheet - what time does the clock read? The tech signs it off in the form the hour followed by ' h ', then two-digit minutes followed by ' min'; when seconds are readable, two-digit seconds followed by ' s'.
4 h 00 min
